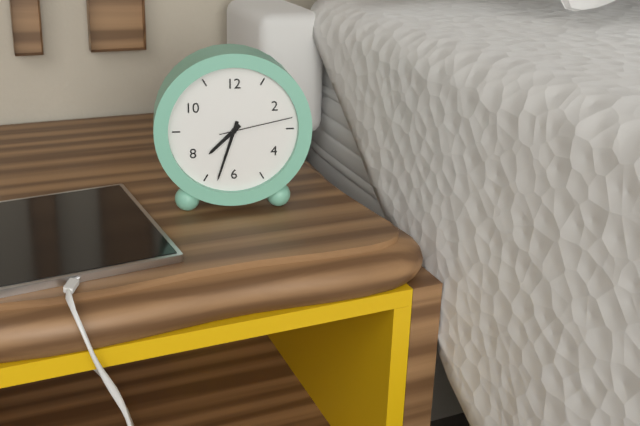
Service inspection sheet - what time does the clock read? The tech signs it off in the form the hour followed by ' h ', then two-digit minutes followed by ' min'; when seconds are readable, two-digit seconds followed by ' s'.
7 h 33 min 13 s
